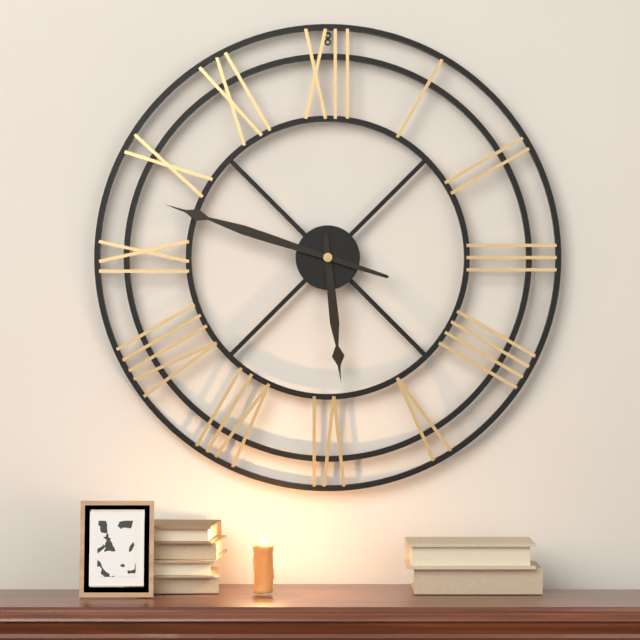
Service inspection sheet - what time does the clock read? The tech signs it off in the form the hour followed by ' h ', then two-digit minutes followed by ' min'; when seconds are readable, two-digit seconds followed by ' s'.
5 h 48 min
